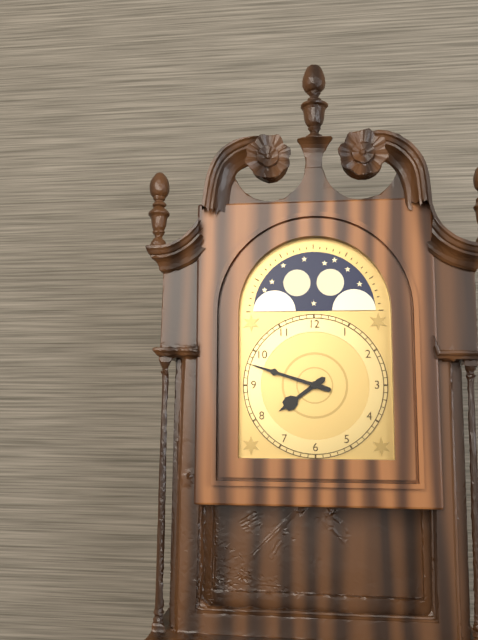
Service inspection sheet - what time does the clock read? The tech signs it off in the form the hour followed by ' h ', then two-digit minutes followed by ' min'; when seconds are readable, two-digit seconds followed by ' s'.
7 h 48 min
